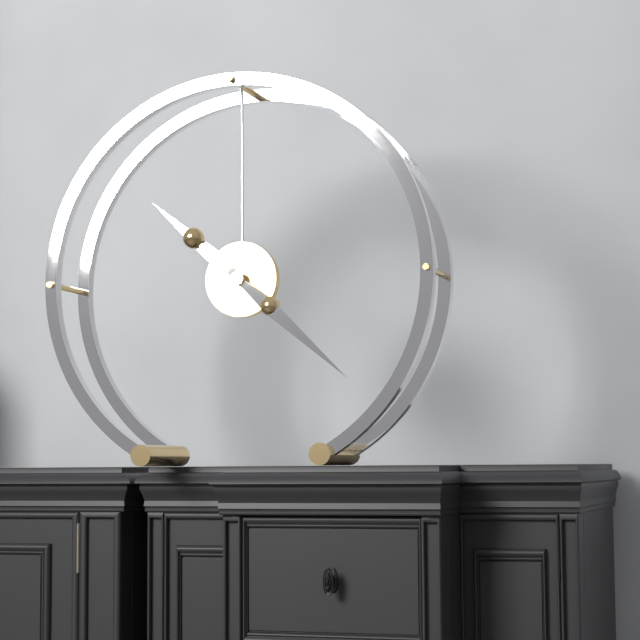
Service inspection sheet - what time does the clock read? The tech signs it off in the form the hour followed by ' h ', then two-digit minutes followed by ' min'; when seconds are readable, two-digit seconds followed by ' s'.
10 h 22 min
